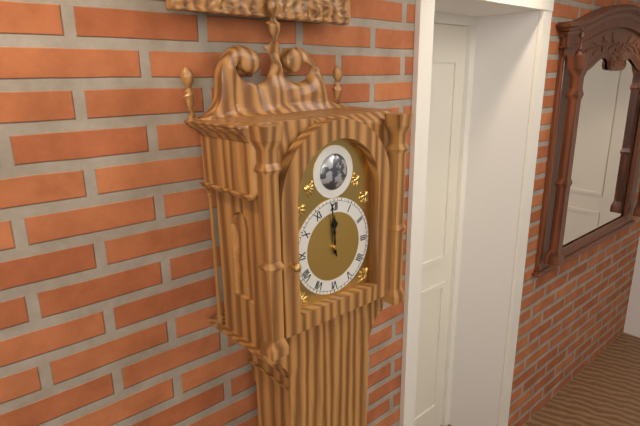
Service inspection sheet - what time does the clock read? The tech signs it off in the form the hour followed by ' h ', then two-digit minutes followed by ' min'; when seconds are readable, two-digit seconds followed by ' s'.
11 h 59 min
